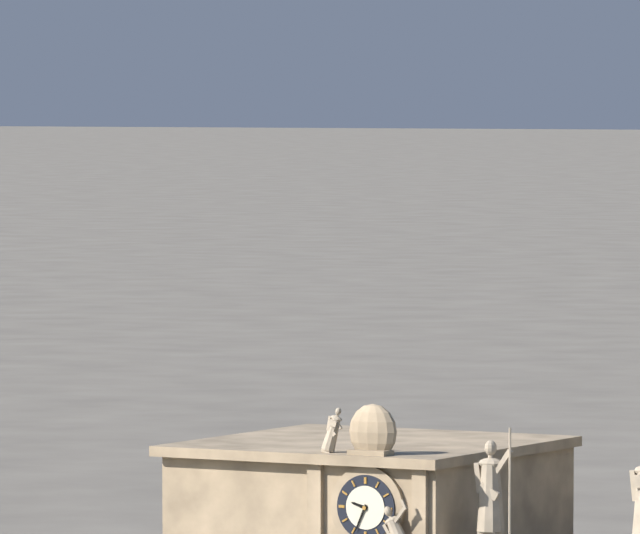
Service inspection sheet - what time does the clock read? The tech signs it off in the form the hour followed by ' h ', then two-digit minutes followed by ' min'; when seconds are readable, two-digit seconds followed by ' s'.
9 h 34 min
